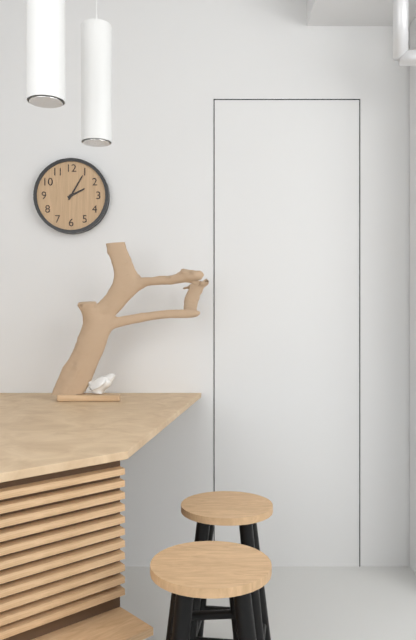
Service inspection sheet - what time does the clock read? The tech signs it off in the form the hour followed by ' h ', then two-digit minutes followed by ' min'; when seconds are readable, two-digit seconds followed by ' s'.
2 h 05 min
